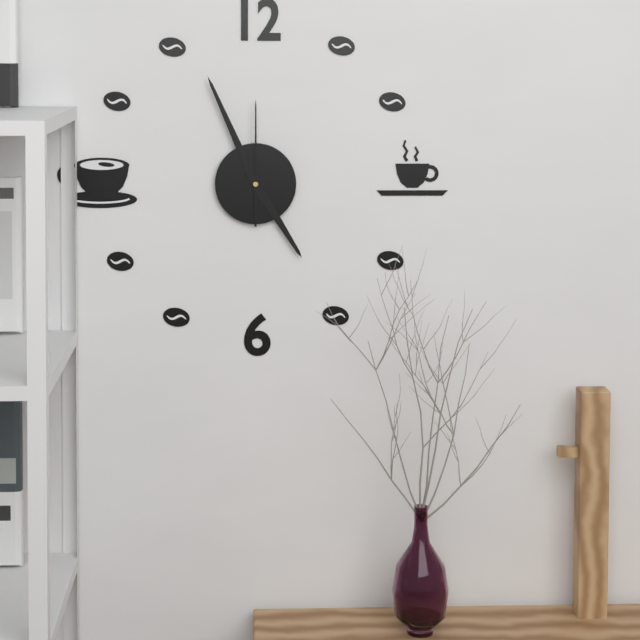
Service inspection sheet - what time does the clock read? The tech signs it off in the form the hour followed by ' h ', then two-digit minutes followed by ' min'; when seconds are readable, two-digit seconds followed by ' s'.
4 h 56 min 00 s
